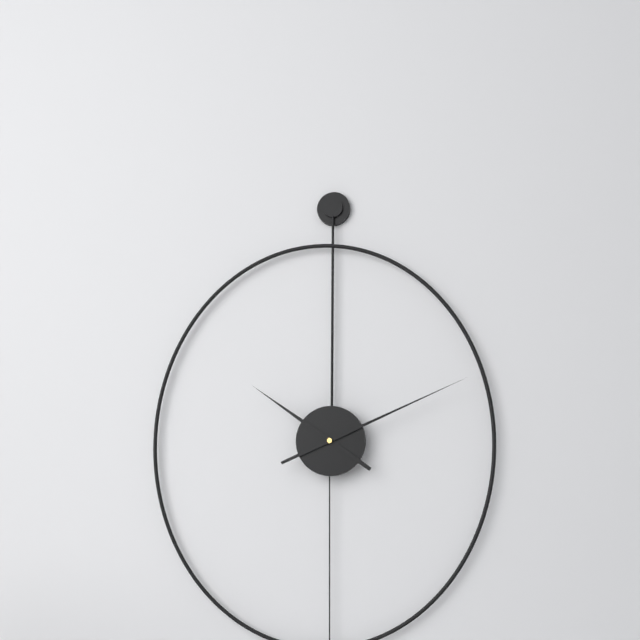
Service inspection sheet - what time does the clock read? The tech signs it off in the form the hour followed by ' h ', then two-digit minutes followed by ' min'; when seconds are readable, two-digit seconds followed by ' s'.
10 h 11 min
